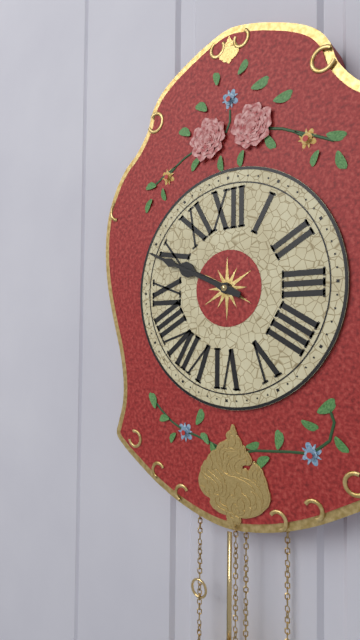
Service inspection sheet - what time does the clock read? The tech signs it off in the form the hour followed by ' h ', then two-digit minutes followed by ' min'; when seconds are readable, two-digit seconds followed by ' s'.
9 h 49 min
